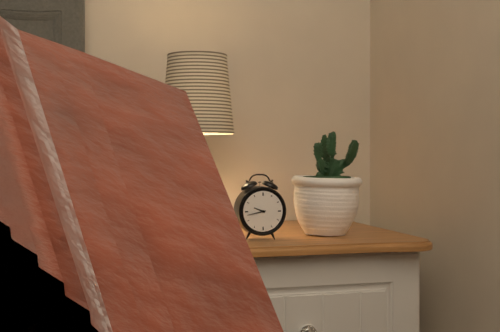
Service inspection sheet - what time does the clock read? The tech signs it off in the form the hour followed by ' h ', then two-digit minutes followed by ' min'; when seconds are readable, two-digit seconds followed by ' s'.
9 h 43 min
